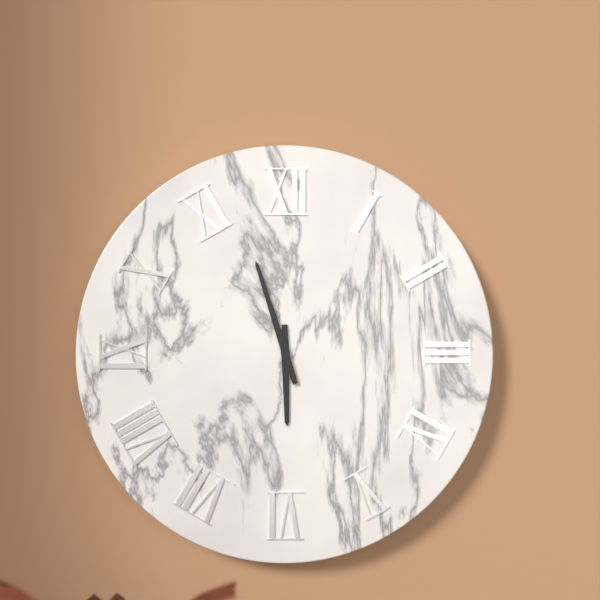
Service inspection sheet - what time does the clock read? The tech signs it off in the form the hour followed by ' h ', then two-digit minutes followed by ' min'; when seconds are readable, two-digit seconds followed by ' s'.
5 h 57 min
